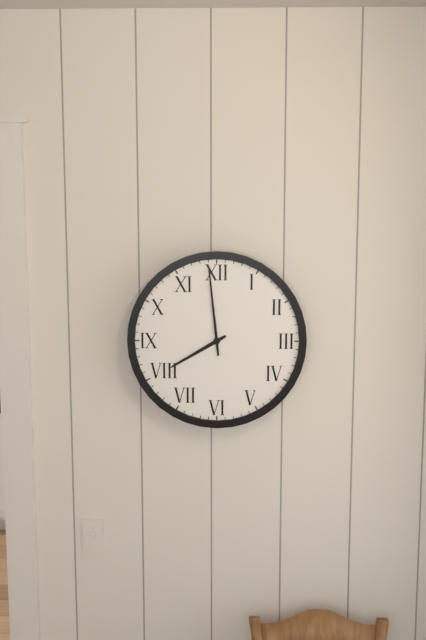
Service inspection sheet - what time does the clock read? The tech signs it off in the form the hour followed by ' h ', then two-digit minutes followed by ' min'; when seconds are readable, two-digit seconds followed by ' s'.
7 h 59 min
